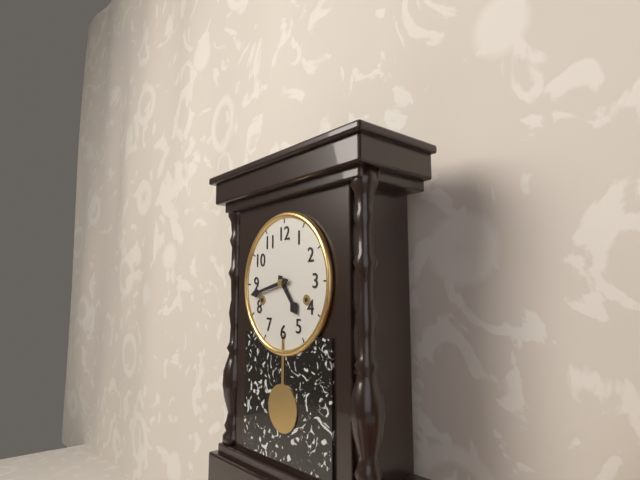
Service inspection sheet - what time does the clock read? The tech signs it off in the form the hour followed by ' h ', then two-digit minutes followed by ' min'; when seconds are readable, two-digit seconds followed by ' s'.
4 h 43 min
